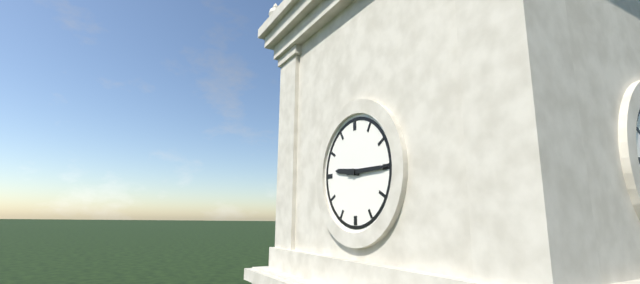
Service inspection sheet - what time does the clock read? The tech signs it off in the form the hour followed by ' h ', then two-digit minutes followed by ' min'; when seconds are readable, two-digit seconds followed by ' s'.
9 h 15 min
